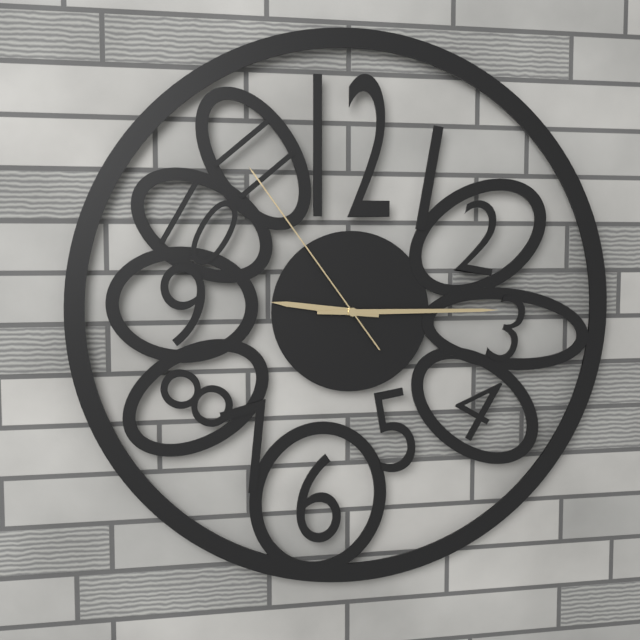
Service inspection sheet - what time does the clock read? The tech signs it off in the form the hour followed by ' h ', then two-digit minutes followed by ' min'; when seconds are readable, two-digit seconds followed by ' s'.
9 h 15 min 54 s
